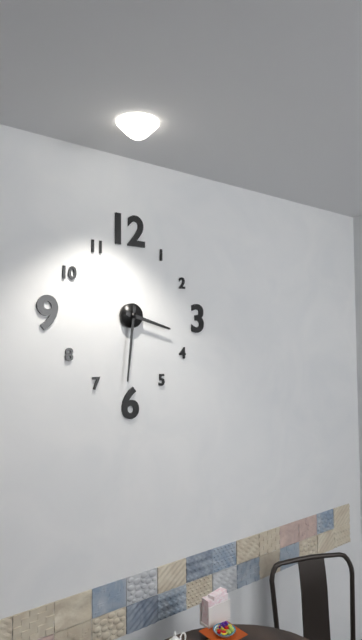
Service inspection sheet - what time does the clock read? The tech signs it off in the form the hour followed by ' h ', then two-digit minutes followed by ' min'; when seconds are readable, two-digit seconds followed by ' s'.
3 h 31 min
